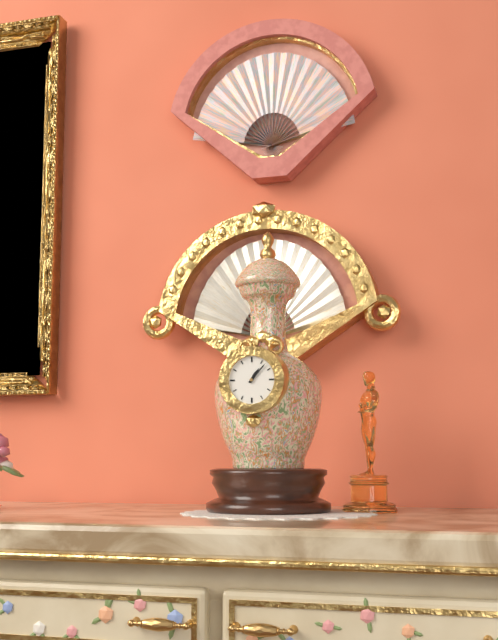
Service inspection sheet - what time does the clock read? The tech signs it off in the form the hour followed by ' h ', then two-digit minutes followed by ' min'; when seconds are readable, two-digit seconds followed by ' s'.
1 h 07 min
